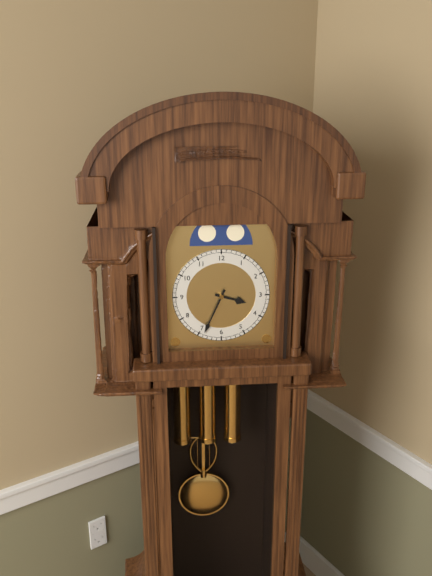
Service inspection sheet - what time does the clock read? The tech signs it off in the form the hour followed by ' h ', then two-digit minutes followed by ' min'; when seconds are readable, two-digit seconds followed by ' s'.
3 h 34 min
